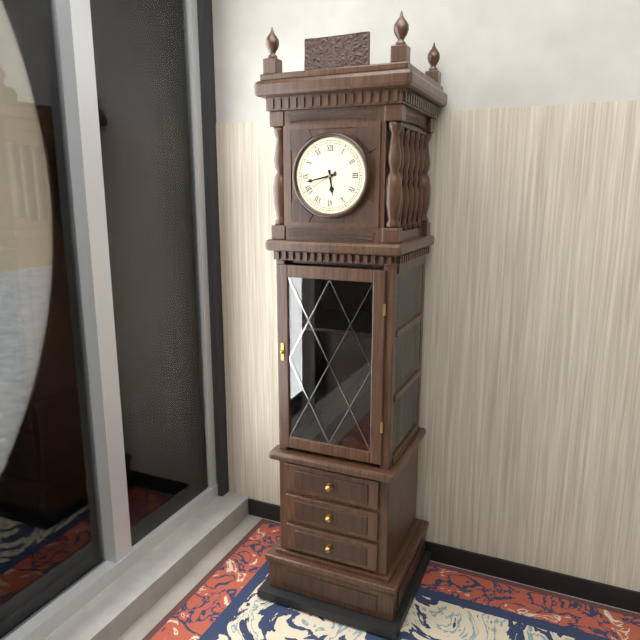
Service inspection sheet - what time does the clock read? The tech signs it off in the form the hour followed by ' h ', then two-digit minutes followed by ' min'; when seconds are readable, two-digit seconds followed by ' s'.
5 h 43 min
